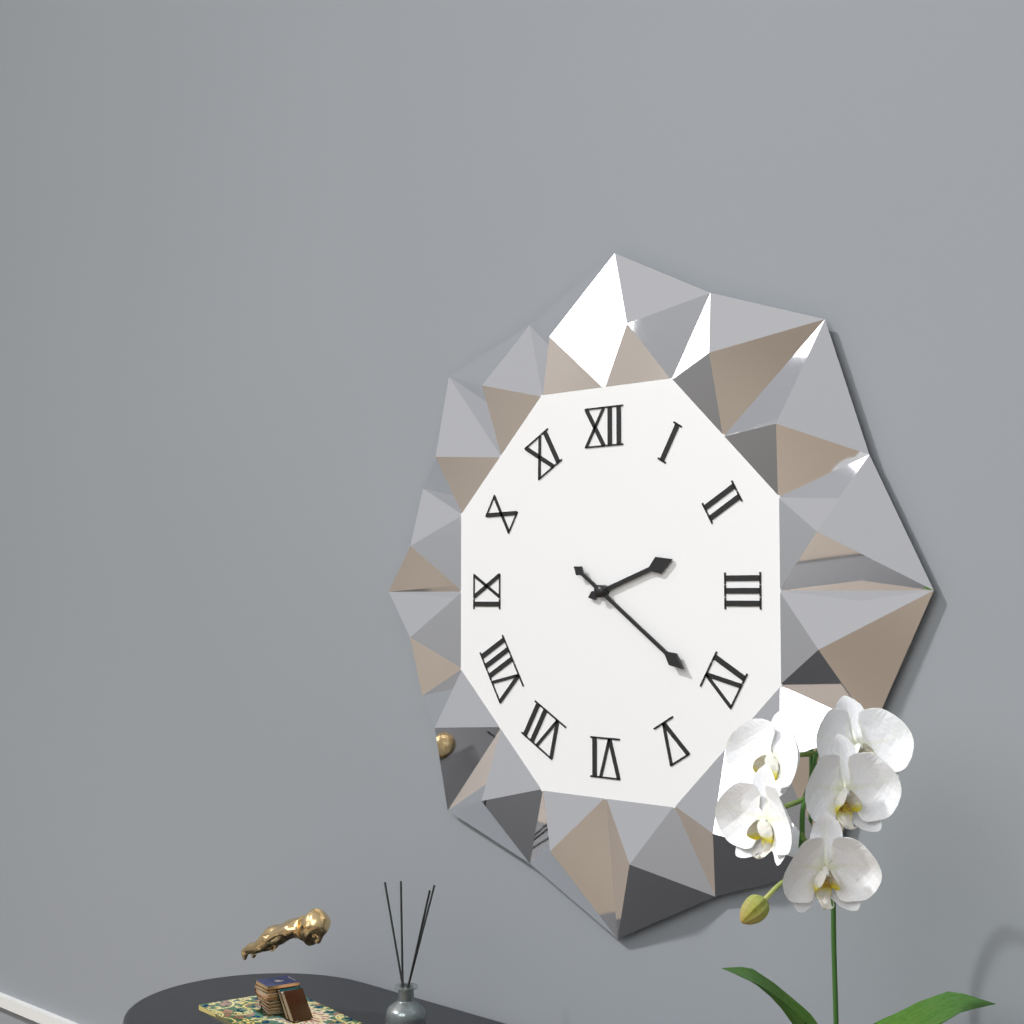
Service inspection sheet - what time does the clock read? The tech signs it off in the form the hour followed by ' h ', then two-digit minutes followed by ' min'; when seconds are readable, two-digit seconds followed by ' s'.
2 h 21 min
